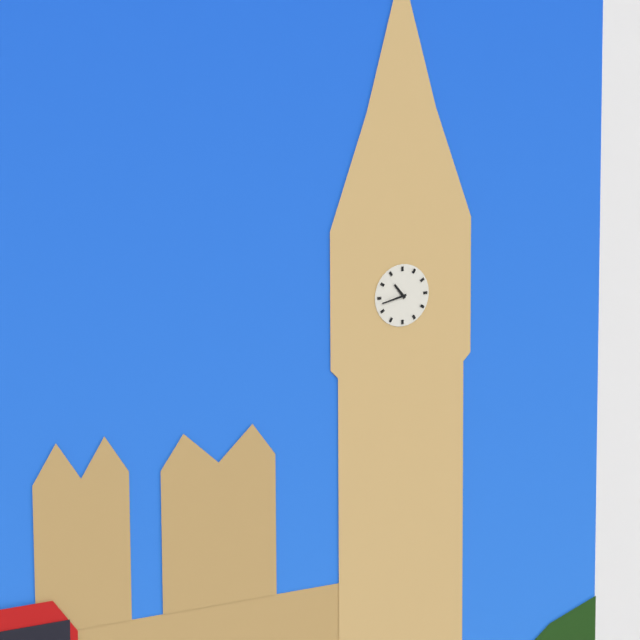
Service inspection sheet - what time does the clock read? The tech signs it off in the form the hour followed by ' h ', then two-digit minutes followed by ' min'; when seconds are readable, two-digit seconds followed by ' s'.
10 h 43 min
